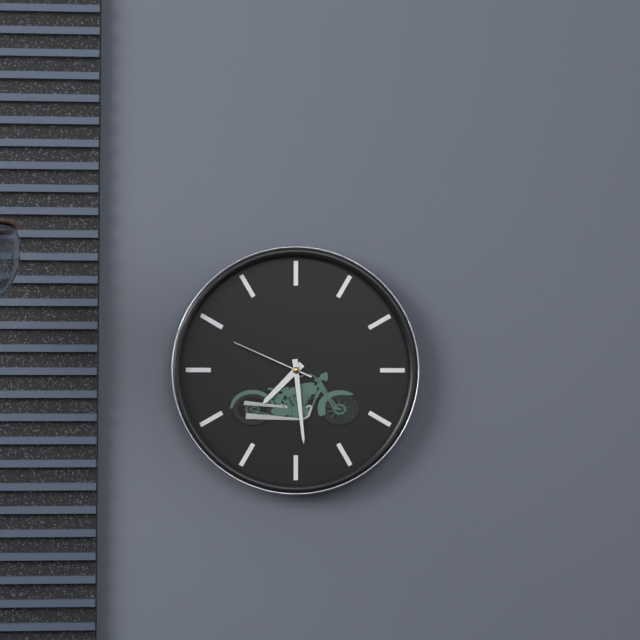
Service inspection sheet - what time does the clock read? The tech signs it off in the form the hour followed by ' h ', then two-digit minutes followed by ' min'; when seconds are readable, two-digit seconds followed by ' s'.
7 h 29 min 49 s
